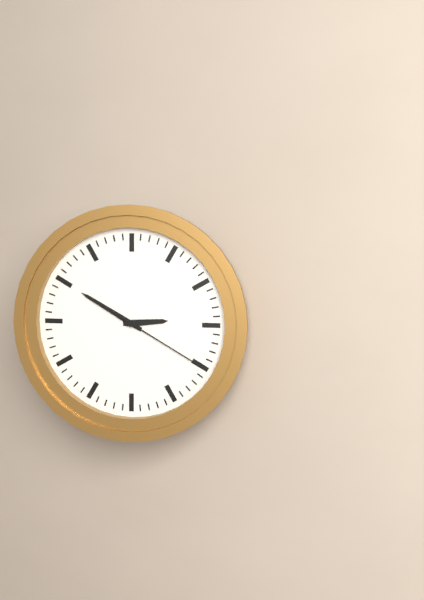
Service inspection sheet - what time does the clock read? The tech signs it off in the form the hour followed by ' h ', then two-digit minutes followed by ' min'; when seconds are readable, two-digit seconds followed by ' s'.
2 h 50 min 20 s
